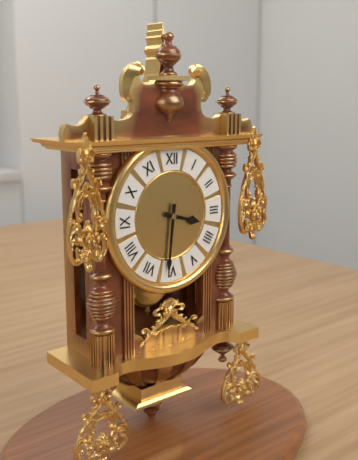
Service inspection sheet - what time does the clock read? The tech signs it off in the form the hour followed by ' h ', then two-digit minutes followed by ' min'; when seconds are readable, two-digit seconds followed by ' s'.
3 h 31 min
